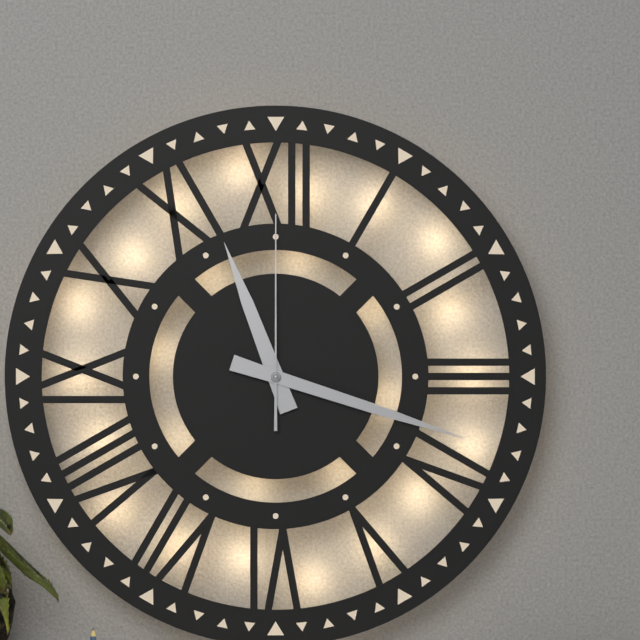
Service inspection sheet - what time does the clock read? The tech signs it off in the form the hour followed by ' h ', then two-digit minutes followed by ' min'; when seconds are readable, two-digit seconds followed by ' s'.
11 h 18 min 00 s
